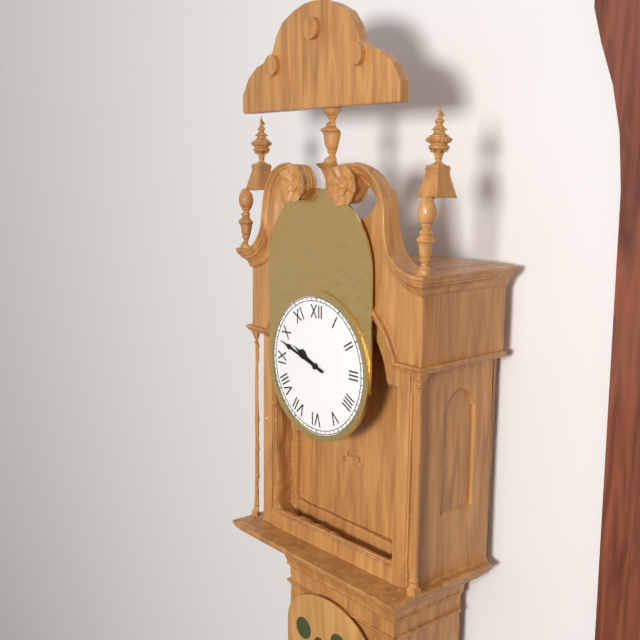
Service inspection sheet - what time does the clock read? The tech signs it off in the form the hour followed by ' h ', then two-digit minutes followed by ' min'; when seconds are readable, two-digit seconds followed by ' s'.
9 h 48 min
